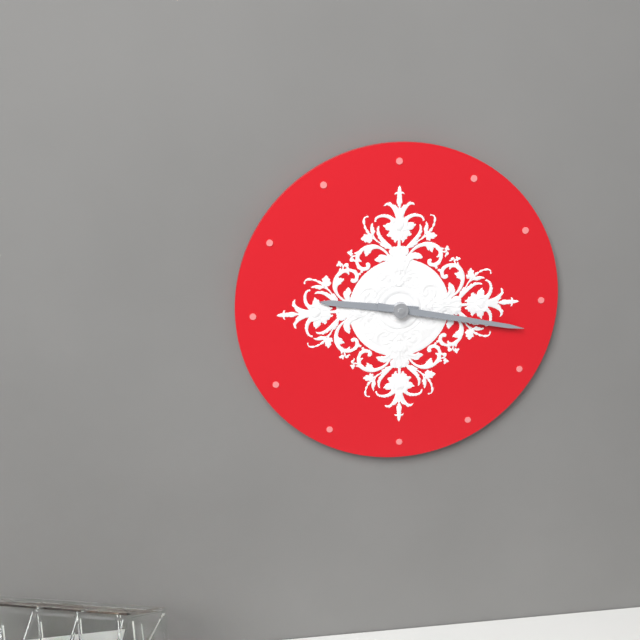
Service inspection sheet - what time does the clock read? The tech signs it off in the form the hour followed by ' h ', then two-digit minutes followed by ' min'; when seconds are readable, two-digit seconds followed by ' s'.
9 h 17 min
